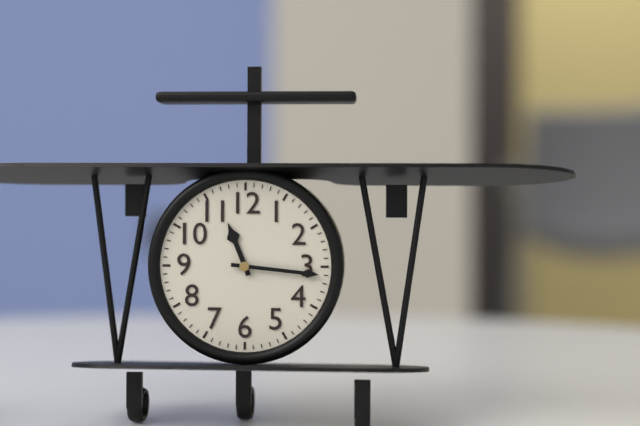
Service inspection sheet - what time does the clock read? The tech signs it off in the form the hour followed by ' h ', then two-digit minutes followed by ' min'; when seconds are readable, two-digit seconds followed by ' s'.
11 h 16 min
